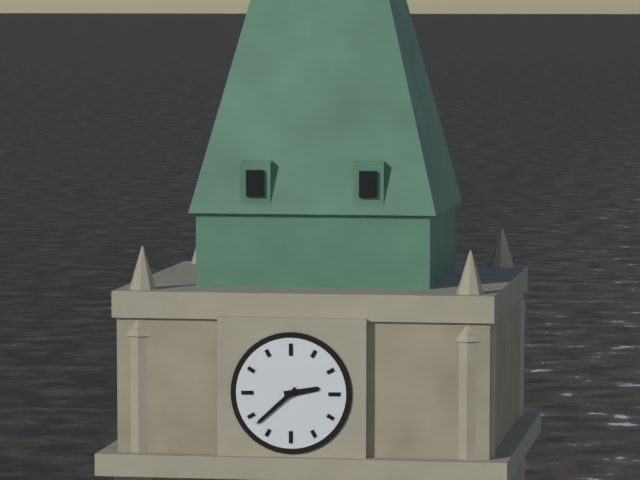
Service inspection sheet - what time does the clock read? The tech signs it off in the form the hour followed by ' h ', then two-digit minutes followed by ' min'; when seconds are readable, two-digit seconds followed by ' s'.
2 h 38 min
